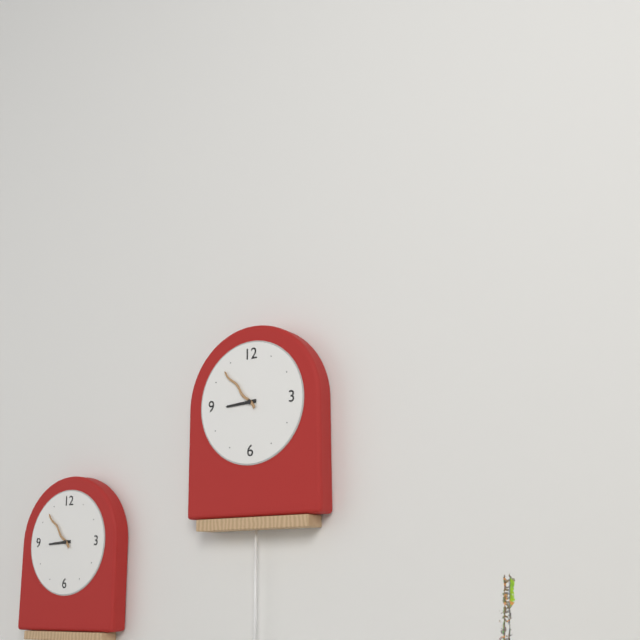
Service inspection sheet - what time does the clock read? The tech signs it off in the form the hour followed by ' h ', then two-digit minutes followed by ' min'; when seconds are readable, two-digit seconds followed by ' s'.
8 h 53 min
